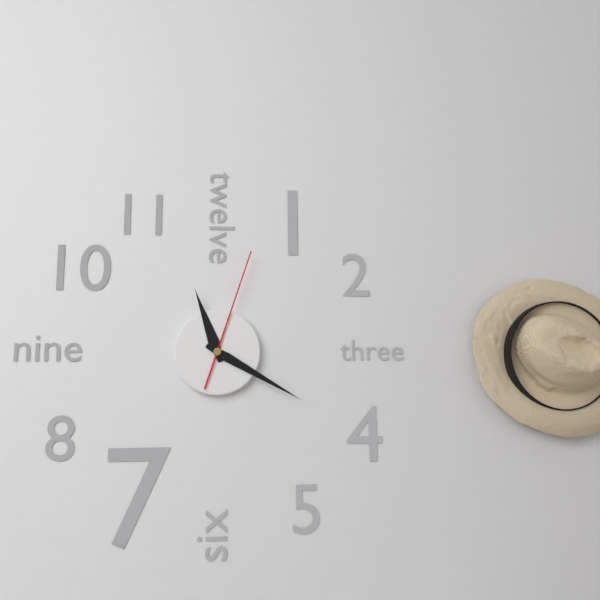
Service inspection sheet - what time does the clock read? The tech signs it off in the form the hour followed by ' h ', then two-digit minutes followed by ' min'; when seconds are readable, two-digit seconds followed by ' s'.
11 h 20 min 03 s
